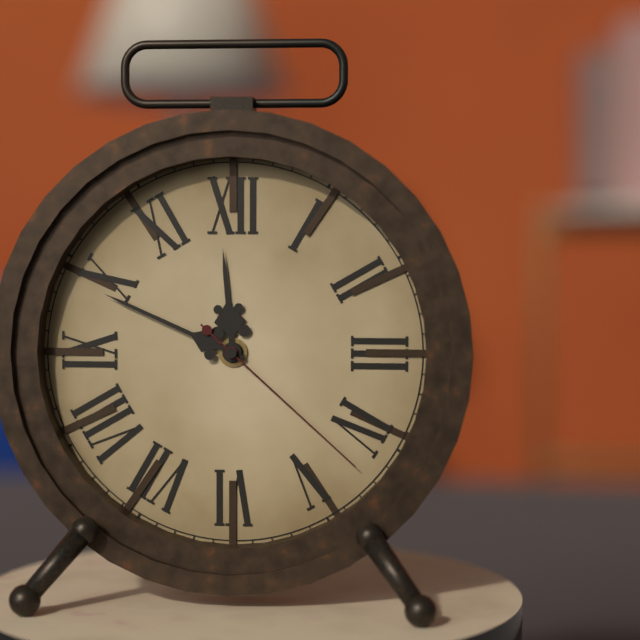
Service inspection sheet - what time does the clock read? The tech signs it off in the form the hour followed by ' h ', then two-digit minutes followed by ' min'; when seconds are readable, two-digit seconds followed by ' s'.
11 h 49 min 22 s
